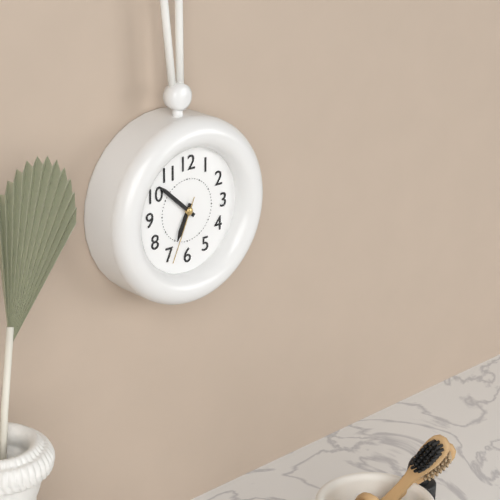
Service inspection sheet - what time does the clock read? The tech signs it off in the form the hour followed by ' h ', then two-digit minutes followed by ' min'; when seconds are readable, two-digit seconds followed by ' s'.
6 h 52 min 34 s
